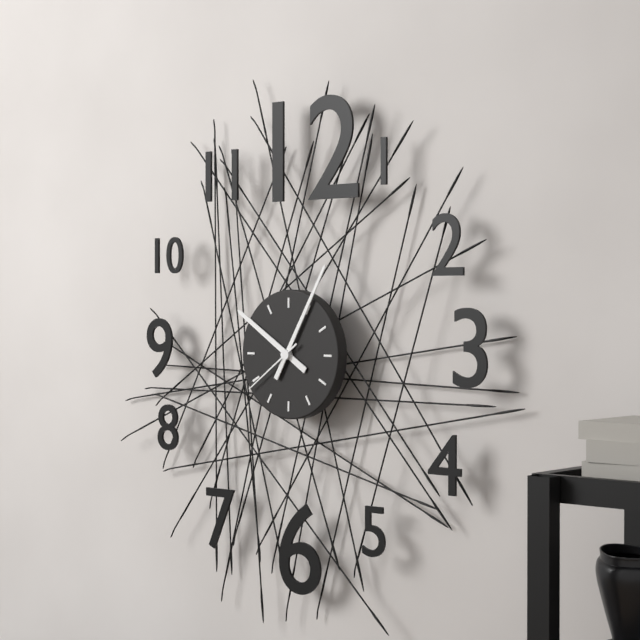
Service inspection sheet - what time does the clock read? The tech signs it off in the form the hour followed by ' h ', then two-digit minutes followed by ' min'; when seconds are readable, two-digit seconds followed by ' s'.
10 h 05 min 39 s
